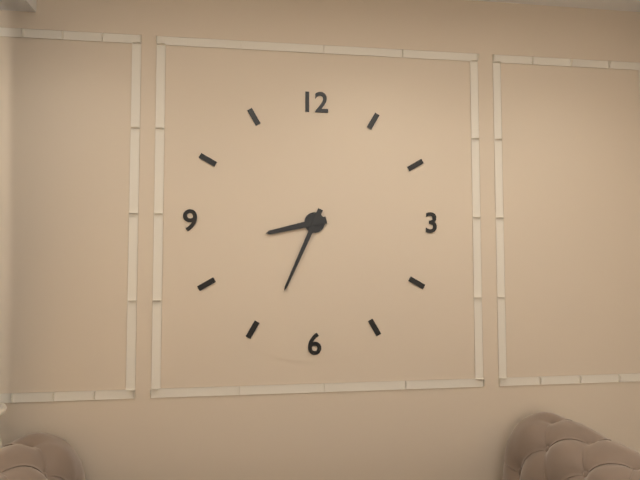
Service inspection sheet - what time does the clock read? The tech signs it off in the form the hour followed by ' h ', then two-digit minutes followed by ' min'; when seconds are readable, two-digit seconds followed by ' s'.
8 h 34 min
